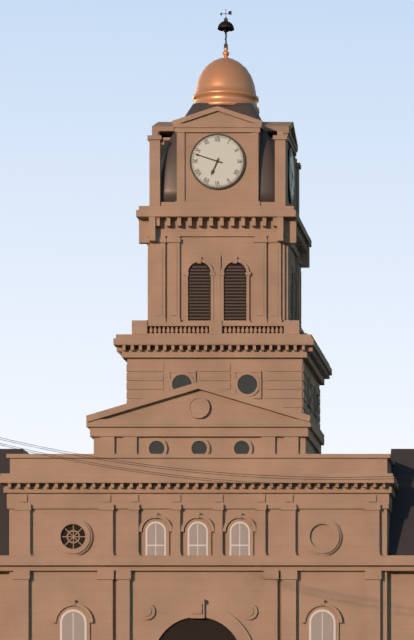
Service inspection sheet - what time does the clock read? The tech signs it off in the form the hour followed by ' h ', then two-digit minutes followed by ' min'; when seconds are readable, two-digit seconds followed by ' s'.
6 h 48 min
